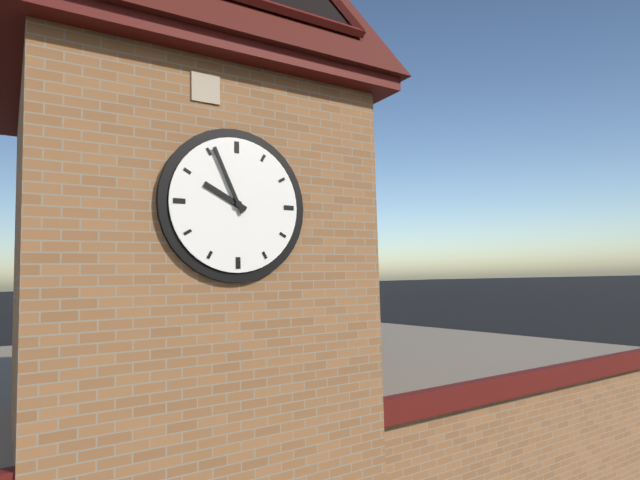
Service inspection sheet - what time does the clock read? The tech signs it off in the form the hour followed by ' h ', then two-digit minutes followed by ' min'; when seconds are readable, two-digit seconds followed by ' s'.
9 h 56 min
